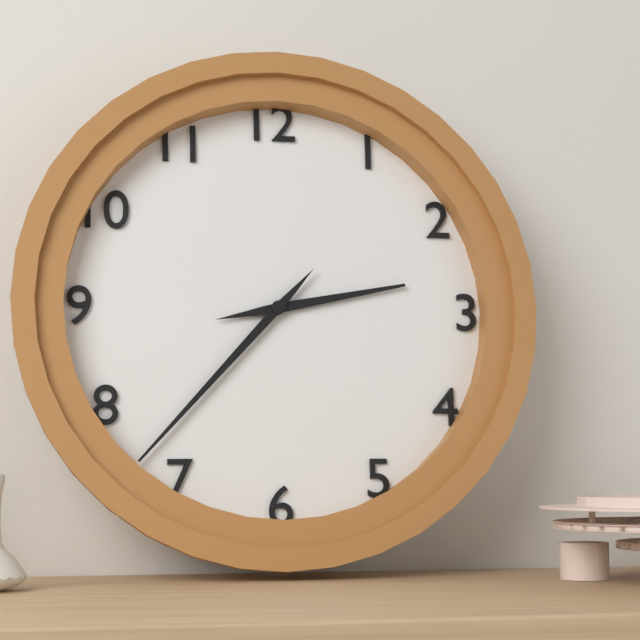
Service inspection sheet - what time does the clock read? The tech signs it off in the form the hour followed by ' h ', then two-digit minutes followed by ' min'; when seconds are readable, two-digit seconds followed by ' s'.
2 h 37 min
